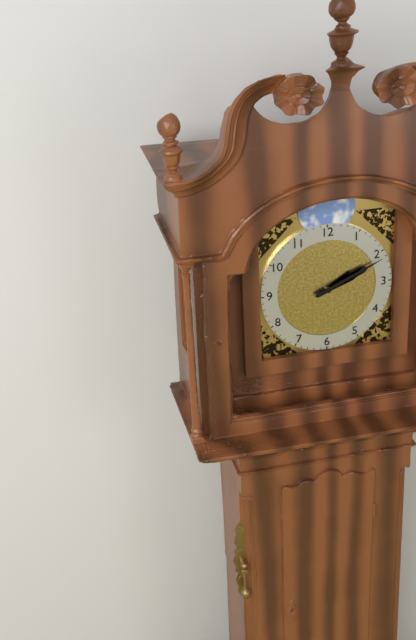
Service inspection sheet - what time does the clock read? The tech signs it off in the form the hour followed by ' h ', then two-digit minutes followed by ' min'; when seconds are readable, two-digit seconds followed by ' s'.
2 h 11 min
